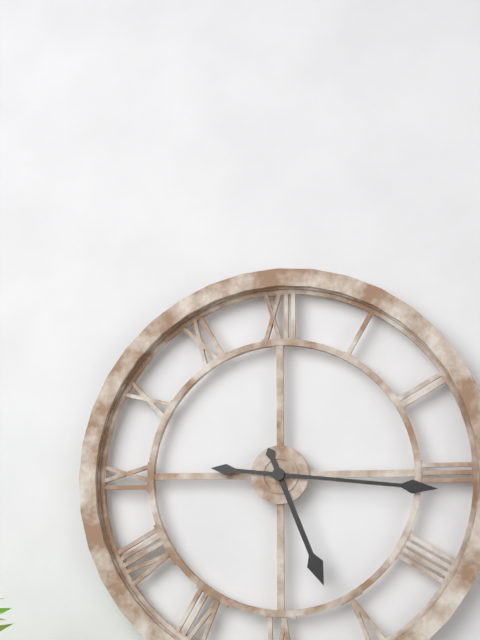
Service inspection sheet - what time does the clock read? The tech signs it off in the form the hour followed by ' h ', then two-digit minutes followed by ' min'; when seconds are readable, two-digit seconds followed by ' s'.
5 h 16 min
